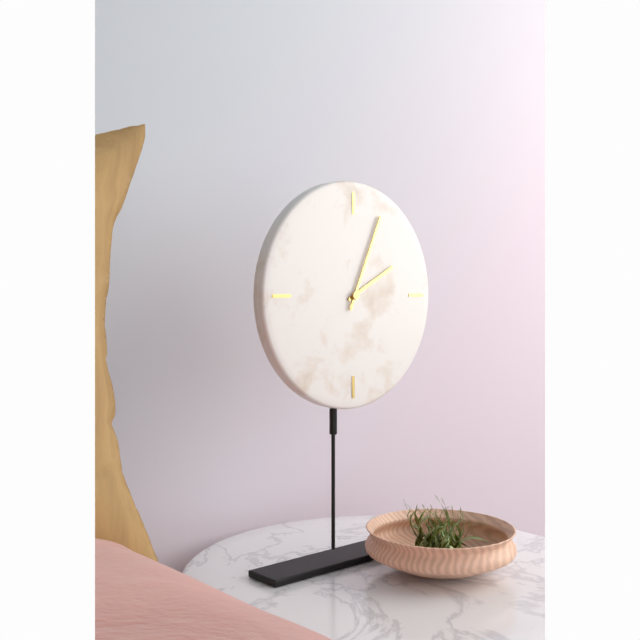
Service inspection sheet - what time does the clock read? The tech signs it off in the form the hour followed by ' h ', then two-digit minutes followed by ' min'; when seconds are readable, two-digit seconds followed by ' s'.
2 h 04 min
